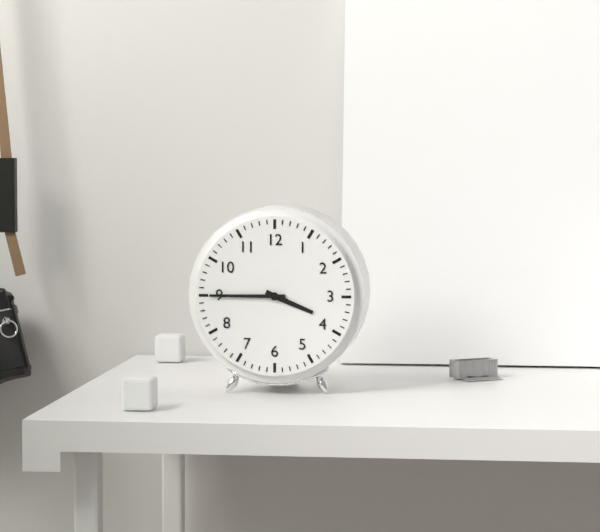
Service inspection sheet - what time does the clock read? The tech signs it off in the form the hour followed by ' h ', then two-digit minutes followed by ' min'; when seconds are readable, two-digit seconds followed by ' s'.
3 h 45 min
